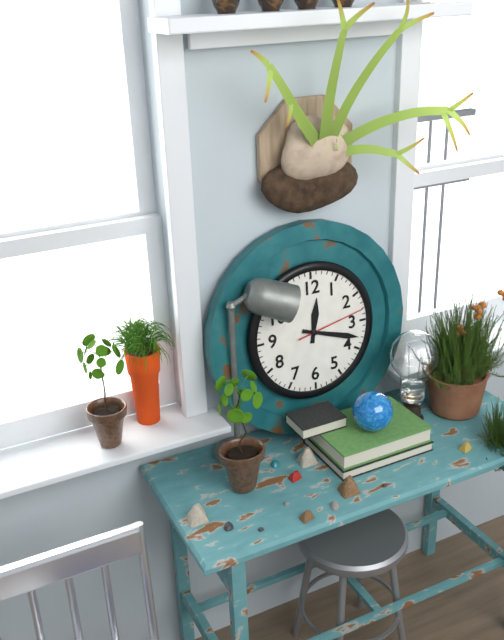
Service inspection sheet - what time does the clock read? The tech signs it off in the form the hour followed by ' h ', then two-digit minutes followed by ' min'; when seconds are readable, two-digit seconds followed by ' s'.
12 h 18 min 13 s
